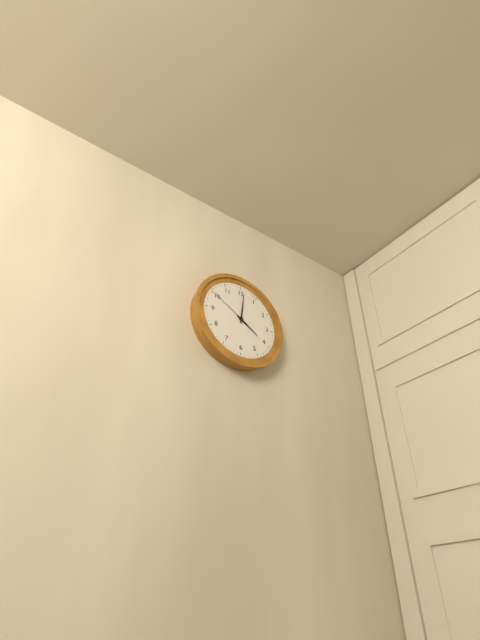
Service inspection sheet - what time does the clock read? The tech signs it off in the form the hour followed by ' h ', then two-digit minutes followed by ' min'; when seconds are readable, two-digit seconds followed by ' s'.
4 h 01 min
